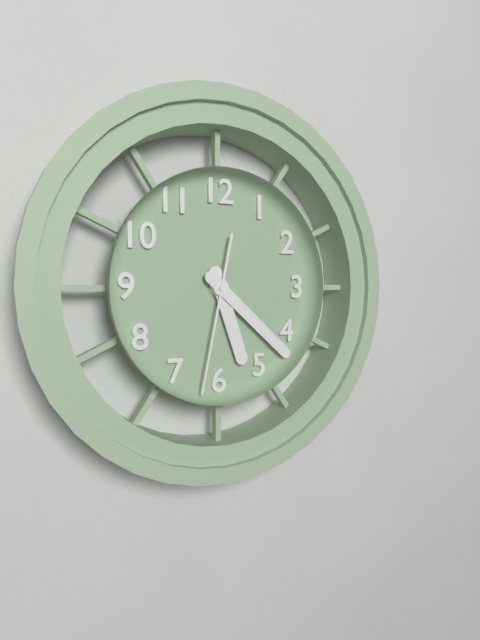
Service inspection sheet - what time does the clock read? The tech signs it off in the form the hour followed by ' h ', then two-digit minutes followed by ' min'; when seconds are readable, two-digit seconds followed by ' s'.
5 h 22 min 32 s
